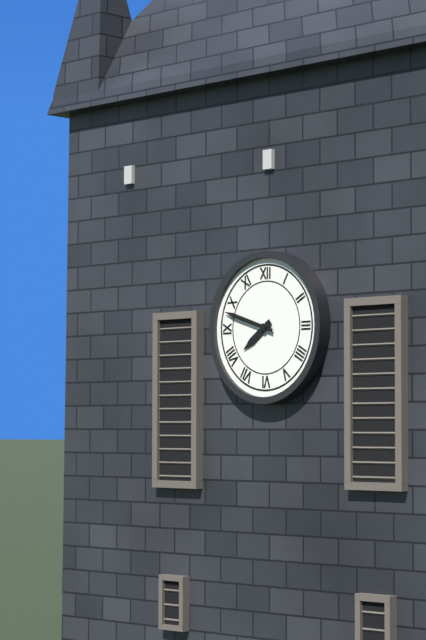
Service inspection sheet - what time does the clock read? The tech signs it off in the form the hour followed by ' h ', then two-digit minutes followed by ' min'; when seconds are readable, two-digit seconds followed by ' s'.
7 h 48 min
